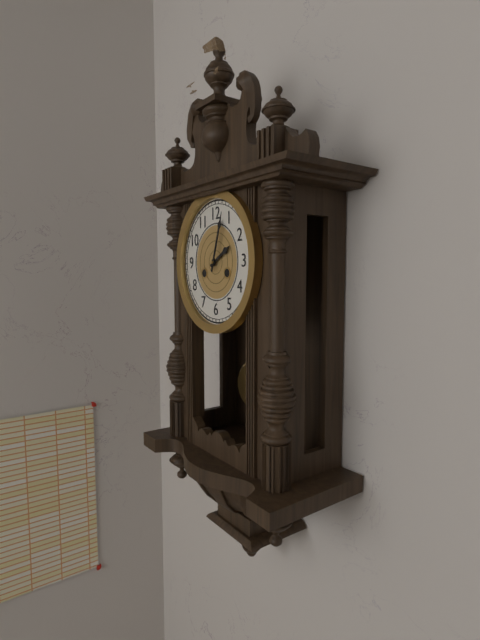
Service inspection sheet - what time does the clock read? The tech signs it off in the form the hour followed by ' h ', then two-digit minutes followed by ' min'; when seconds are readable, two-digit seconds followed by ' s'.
2 h 03 min
